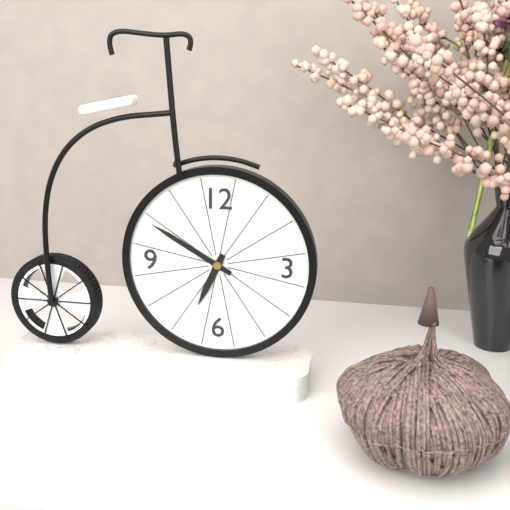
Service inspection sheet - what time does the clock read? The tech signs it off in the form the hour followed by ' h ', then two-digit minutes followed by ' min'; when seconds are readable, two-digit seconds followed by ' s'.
6 h 50 min
